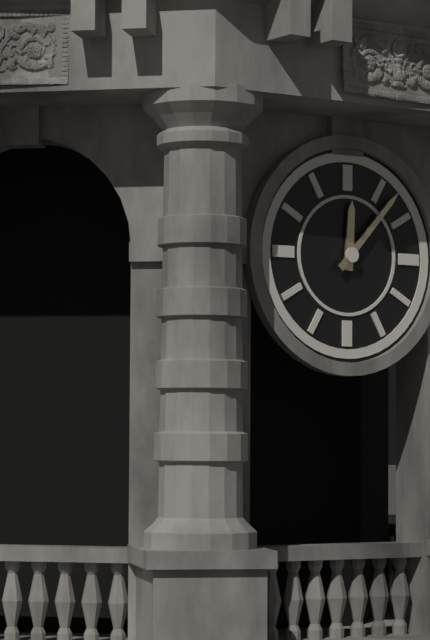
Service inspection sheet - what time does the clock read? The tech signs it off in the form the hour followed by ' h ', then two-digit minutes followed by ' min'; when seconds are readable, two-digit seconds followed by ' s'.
12 h 07 min
